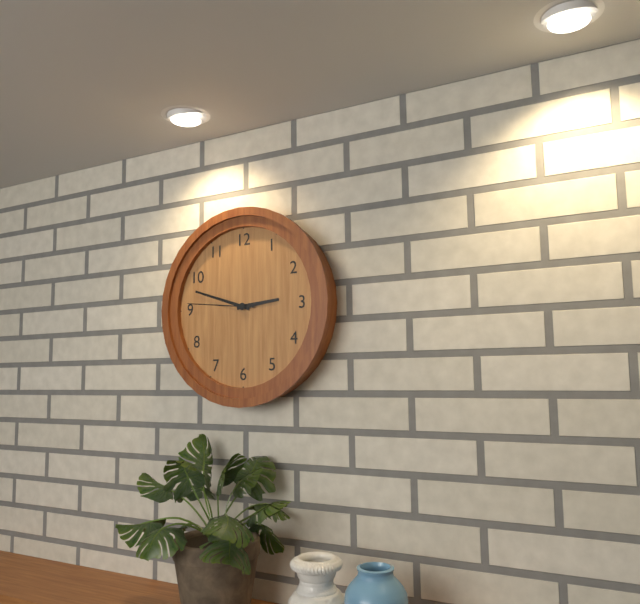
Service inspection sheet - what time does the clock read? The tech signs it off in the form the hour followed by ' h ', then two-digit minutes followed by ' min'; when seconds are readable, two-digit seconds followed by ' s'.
2 h 48 min 46 s
